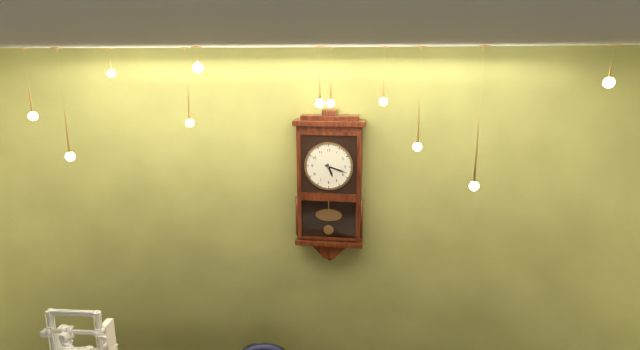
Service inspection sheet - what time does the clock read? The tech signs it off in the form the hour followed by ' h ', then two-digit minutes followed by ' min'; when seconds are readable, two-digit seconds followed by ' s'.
5 h 18 min
